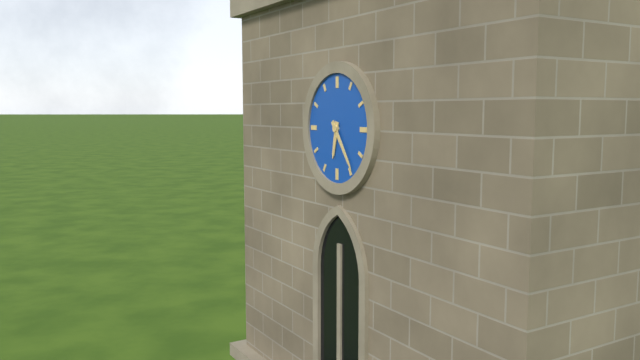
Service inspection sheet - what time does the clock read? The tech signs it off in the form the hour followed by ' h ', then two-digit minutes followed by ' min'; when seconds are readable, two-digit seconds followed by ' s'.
6 h 24 min
